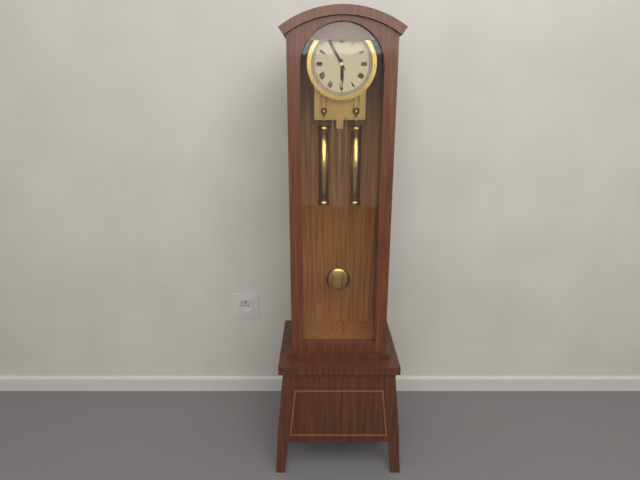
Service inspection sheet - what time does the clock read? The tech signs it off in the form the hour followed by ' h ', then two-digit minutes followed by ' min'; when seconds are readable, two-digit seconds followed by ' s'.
5 h 55 min
